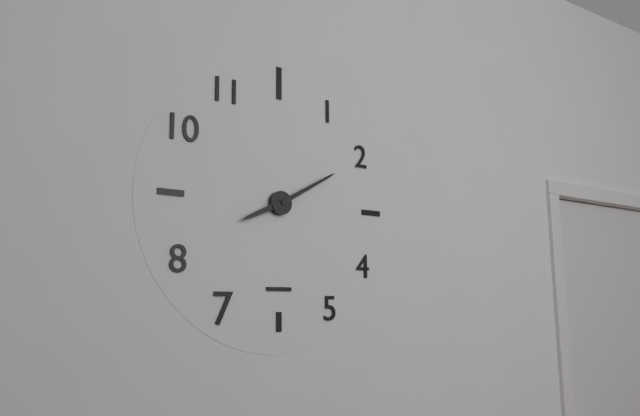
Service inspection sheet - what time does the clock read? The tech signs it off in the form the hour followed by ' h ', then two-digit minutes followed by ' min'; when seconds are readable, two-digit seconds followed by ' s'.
8 h 10 min
